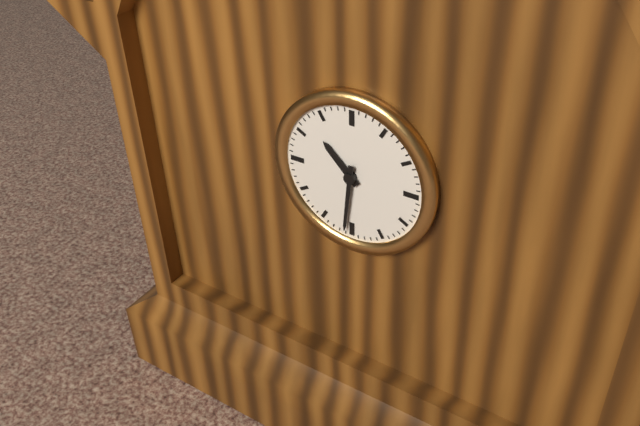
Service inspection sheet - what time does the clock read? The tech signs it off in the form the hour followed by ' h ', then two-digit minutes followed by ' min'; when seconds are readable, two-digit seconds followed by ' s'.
10 h 31 min
